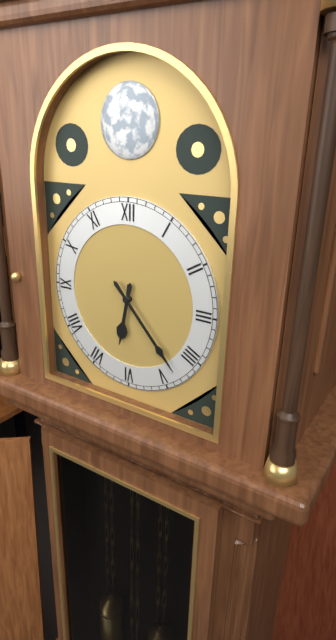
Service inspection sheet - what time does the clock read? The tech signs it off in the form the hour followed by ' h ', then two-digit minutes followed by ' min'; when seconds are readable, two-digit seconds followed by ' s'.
6 h 23 min
